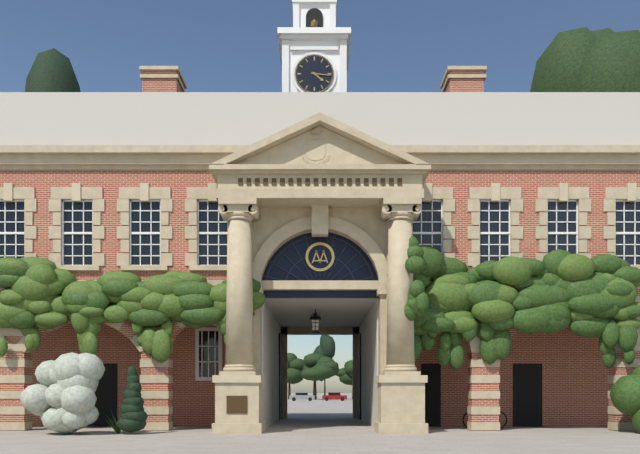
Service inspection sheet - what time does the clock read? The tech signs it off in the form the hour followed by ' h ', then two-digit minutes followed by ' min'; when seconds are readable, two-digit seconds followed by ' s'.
4 h 16 min
